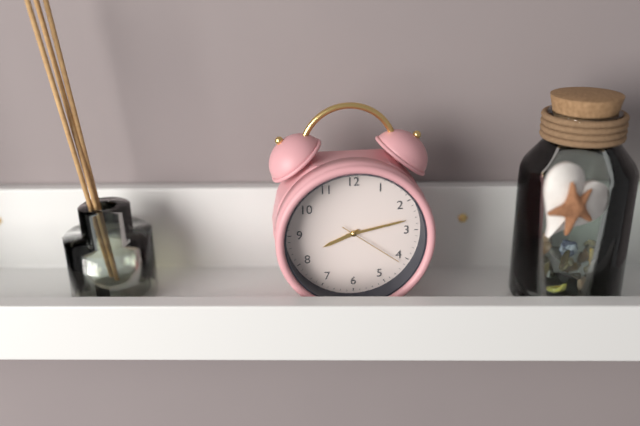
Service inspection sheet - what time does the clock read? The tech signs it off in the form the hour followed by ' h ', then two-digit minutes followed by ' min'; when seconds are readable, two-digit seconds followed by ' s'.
8 h 13 min 21 s
